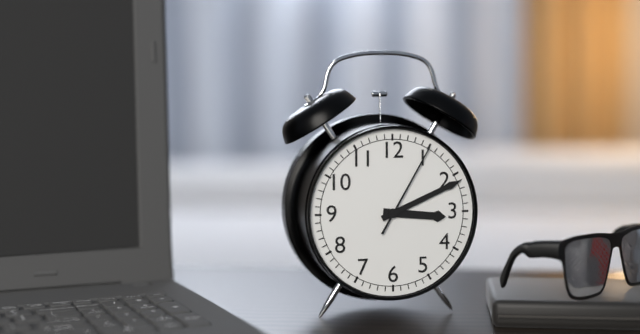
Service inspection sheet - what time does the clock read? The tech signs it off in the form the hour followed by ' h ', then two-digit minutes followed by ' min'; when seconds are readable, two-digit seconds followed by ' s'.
3 h 11 min 05 s
